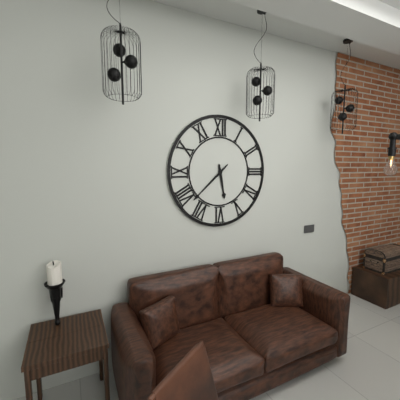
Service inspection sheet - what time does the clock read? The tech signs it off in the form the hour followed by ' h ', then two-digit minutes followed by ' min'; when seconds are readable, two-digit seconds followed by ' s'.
5 h 38 min
